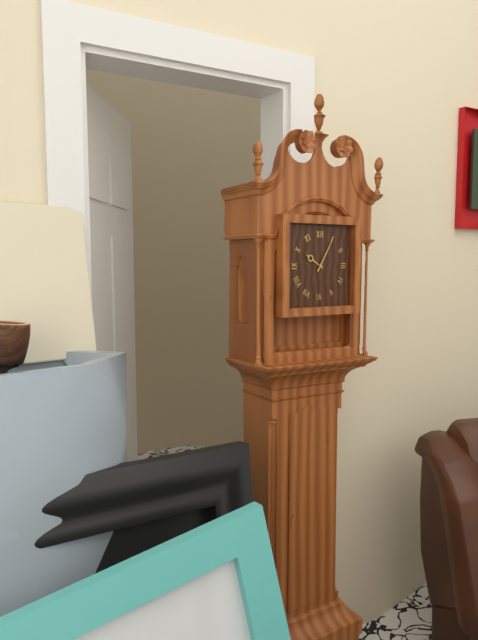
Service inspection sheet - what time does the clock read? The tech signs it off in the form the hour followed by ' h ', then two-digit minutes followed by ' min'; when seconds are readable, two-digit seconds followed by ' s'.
10 h 05 min
